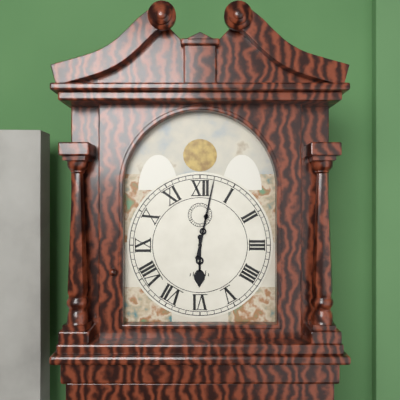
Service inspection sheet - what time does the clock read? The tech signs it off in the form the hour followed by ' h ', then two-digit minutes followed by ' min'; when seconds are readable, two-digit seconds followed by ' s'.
6 h 02 min
